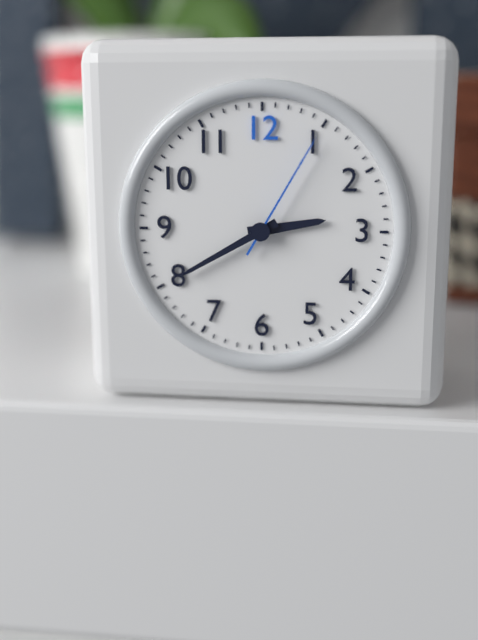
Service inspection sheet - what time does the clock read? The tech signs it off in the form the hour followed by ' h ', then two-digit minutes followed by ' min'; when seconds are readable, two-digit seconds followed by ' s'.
2 h 40 min 05 s
